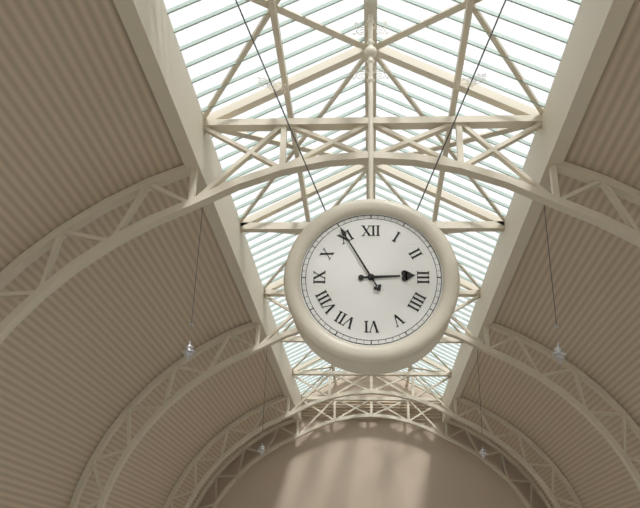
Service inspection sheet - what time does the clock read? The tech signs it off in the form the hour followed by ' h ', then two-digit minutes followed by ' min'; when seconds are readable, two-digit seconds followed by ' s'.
2 h 55 min
